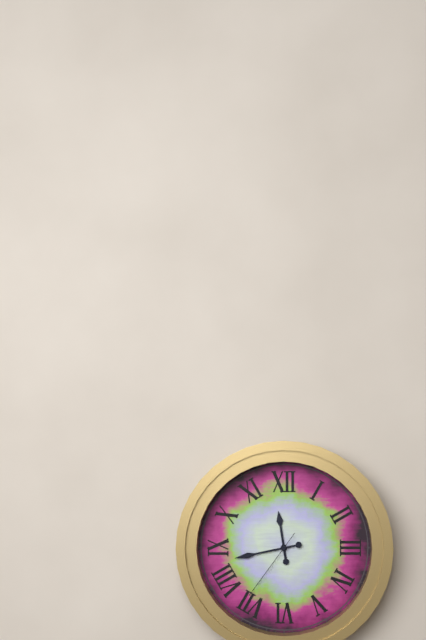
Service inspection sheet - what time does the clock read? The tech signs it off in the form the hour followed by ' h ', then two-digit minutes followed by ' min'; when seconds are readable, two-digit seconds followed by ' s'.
11 h 43 min 36 s
